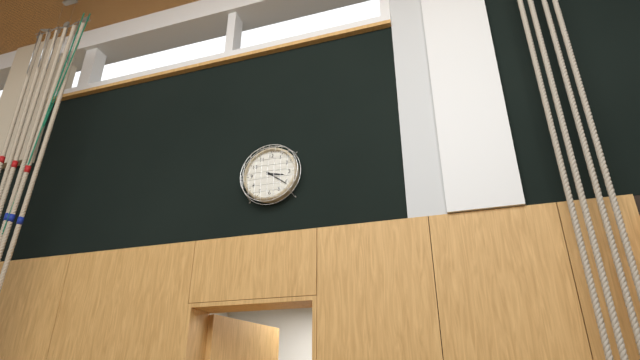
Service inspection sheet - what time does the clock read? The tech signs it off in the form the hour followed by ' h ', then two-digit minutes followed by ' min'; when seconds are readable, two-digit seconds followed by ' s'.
3 h 21 min
